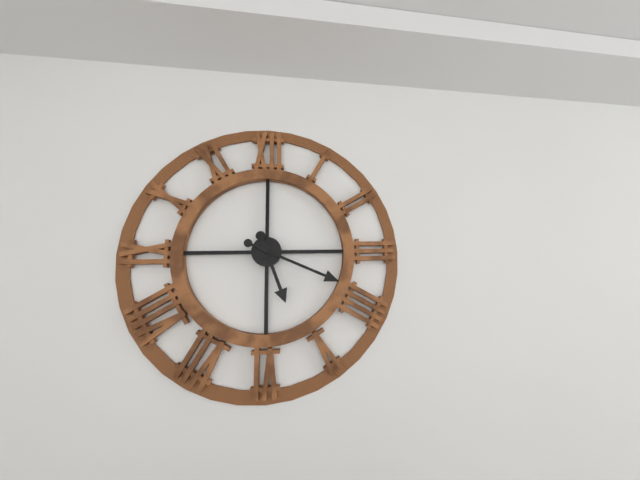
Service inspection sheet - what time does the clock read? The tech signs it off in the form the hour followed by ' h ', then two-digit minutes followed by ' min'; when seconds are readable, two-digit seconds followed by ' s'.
5 h 19 min
